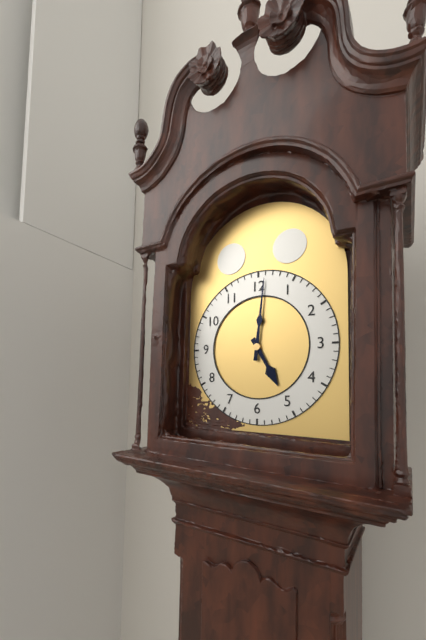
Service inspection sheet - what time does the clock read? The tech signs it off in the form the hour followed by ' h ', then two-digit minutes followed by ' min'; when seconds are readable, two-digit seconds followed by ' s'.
5 h 01 min
